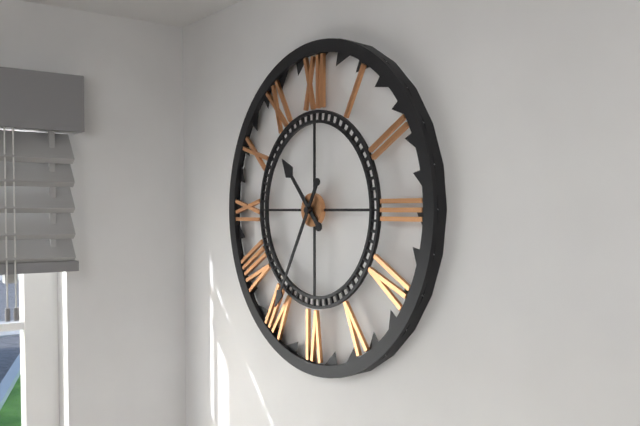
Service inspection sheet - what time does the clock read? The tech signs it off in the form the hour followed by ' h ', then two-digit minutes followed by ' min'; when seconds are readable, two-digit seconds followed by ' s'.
10 h 35 min
